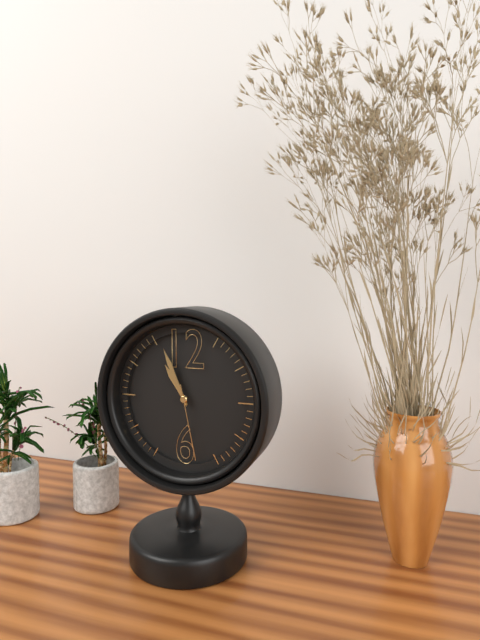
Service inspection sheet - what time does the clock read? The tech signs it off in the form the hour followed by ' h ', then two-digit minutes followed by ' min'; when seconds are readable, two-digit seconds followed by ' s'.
10 h 56 min 28 s
